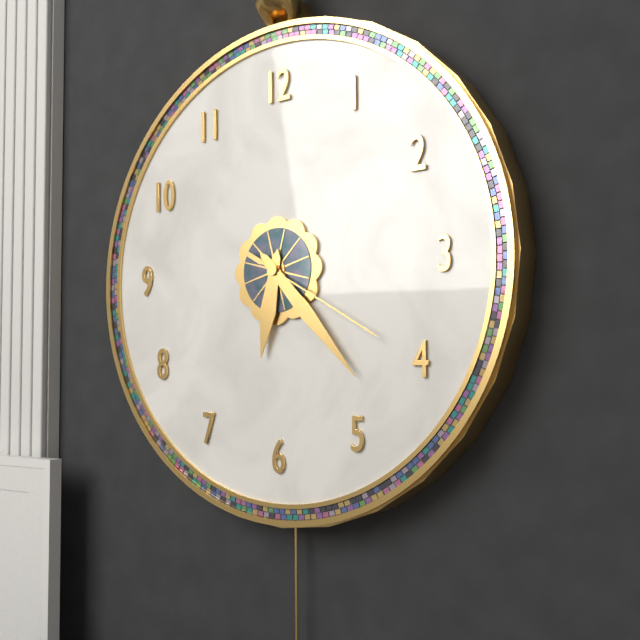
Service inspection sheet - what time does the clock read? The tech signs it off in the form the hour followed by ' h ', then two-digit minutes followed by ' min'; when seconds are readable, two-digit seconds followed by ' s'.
6 h 23 min 20 s
